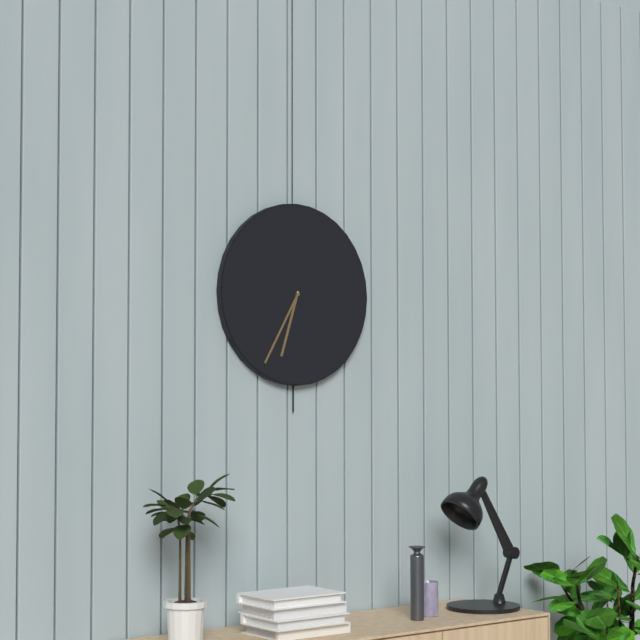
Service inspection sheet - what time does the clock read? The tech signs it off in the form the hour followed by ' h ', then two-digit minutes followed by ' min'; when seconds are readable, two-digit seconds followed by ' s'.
6 h 35 min
